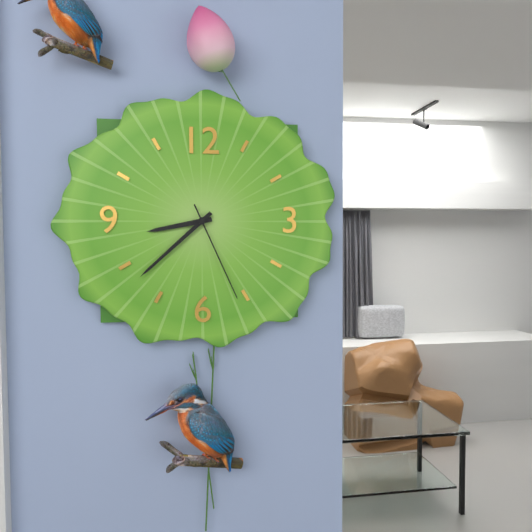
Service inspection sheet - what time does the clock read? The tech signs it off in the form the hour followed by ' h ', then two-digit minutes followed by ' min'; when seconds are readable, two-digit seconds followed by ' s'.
8 h 38 min 26 s
